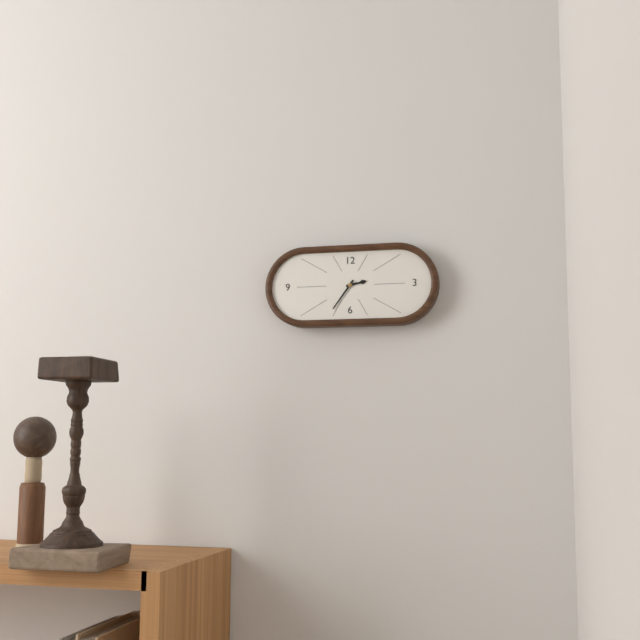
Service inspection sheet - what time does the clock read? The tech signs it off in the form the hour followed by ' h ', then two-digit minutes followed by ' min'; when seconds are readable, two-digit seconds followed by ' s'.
2 h 36 min
